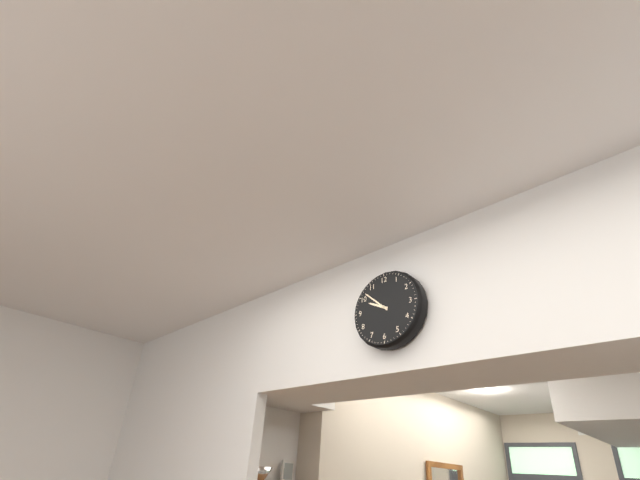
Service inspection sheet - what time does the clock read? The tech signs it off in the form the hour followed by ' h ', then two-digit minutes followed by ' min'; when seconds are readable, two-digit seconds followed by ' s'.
9 h 52 min
